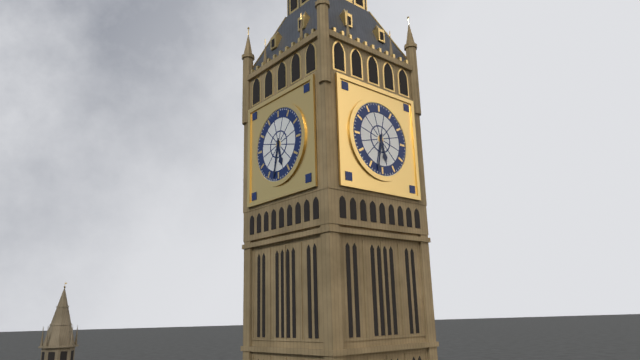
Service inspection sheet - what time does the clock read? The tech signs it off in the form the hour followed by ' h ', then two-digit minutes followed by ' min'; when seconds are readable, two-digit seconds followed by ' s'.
5 h 32 min
